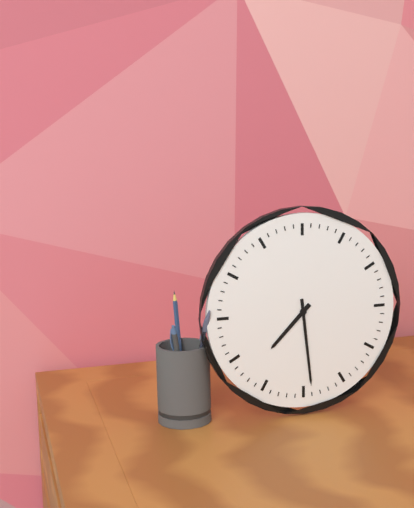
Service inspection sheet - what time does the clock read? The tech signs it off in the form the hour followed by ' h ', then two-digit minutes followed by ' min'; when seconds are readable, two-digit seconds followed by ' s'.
7 h 29 min
